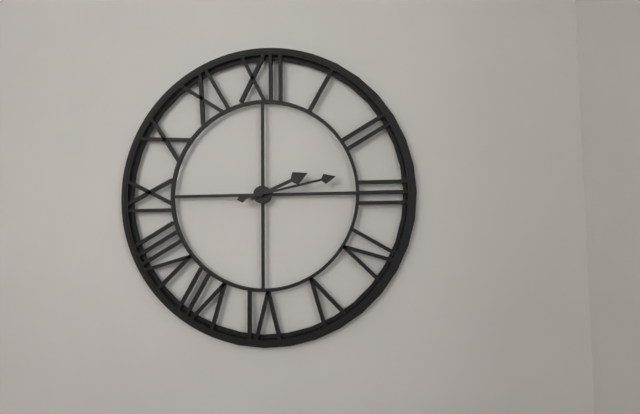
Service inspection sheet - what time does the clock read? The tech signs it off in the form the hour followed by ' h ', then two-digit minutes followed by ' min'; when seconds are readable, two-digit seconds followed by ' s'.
2 h 13 min
